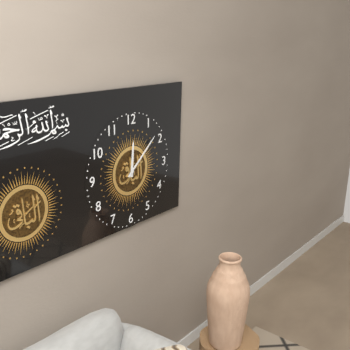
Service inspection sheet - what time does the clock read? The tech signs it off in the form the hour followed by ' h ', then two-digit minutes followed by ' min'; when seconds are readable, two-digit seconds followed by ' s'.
12 h 08 min
